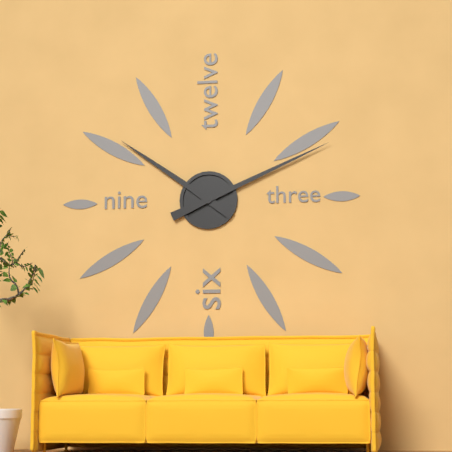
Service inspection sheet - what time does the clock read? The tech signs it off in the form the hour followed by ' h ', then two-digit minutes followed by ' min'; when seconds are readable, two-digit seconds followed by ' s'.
10 h 11 min
